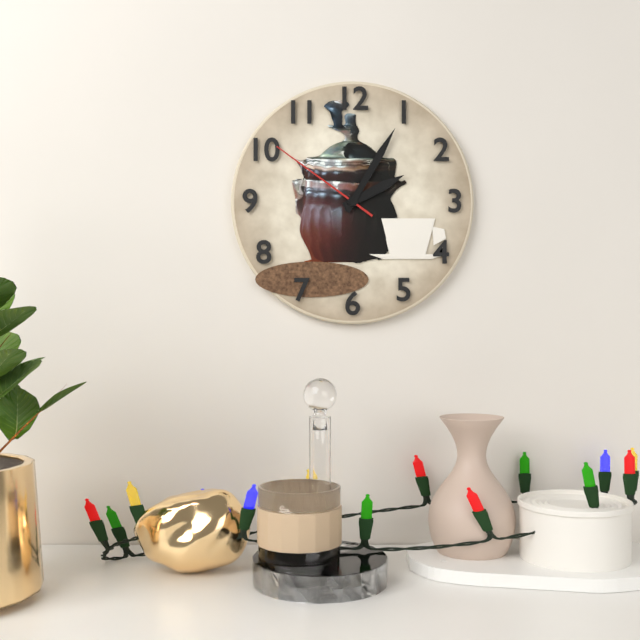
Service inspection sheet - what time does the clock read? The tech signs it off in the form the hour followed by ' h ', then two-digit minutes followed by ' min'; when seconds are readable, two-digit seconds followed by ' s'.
2 h 05 min 51 s
